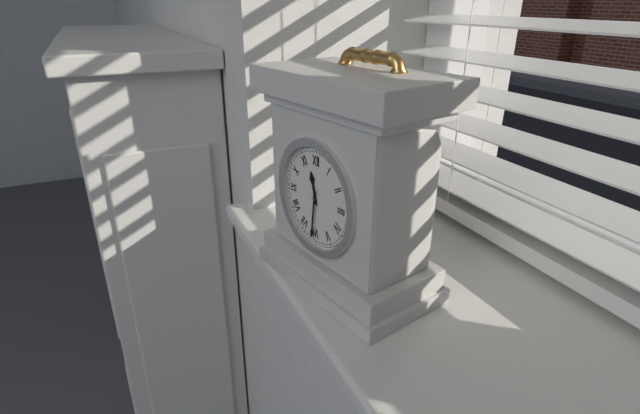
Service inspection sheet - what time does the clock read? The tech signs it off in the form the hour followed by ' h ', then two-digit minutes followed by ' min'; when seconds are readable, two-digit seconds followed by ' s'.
11 h 31 min
